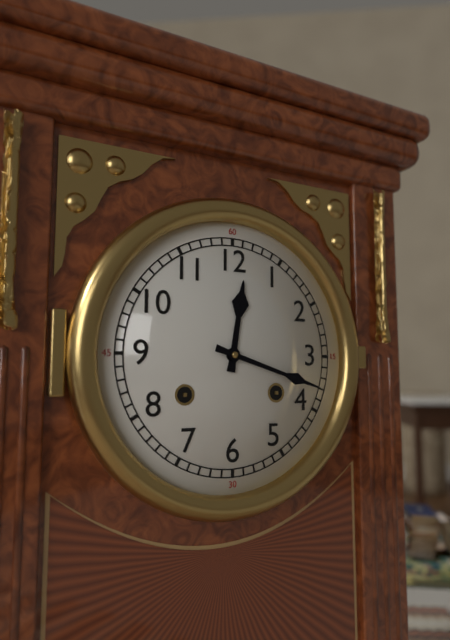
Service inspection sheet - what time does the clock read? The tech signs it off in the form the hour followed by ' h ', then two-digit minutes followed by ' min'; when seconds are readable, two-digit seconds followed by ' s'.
12 h 18 min
